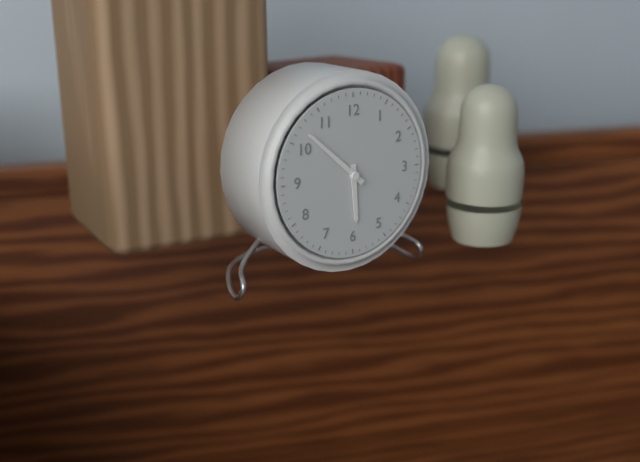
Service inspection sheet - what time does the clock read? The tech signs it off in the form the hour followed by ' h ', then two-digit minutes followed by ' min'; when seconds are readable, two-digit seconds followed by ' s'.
5 h 52 min
